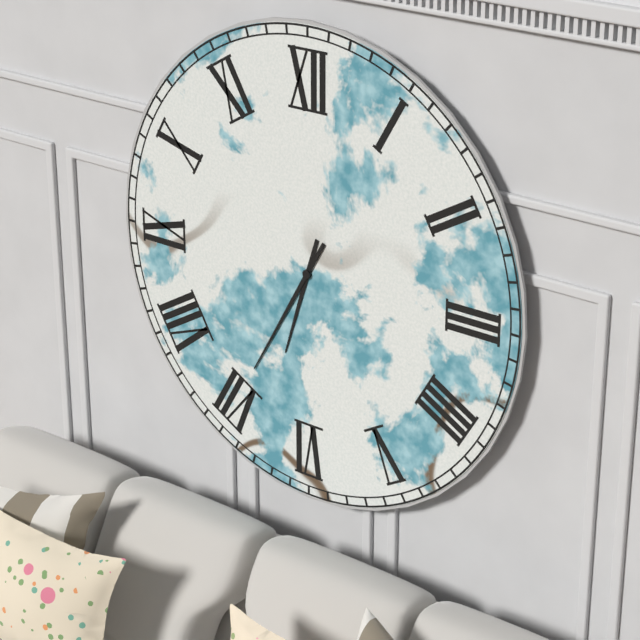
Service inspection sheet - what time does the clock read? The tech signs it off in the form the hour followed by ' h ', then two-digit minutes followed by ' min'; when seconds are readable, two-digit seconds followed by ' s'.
6 h 35 min
